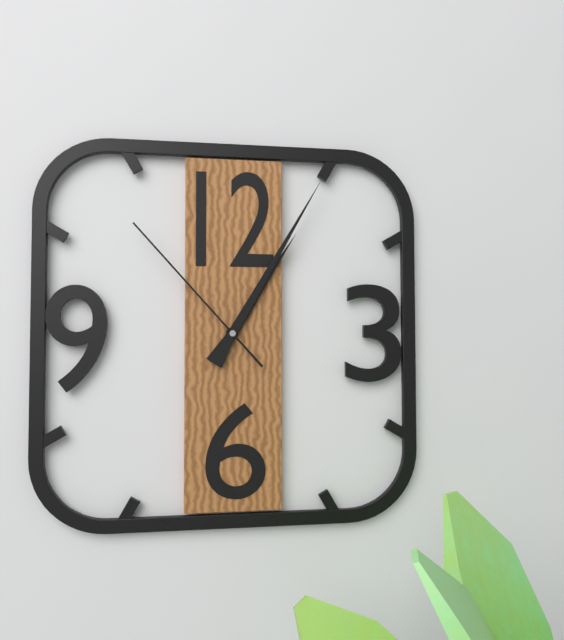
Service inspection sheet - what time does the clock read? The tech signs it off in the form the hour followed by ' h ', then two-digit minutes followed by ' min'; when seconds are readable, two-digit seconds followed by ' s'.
1 h 05 min 53 s
